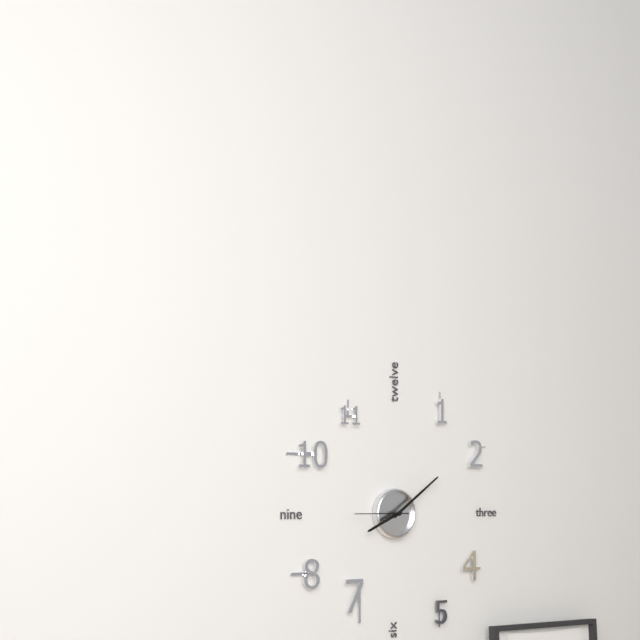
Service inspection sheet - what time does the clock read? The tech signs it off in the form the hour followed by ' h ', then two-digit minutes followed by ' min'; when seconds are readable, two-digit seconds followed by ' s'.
8 h 09 min 45 s
